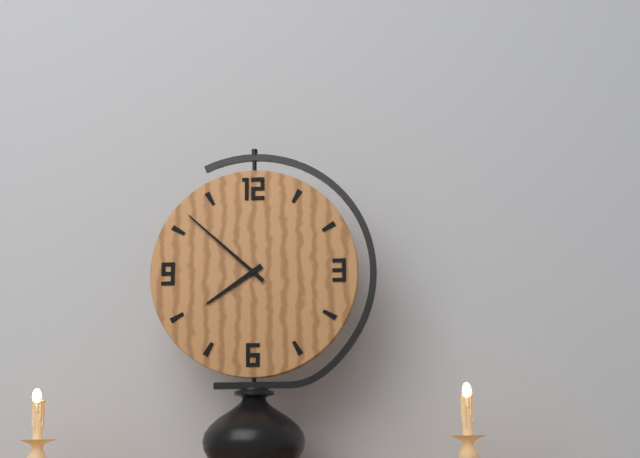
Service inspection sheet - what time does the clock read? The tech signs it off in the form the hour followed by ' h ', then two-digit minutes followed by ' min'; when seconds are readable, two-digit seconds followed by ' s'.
7 h 52 min
